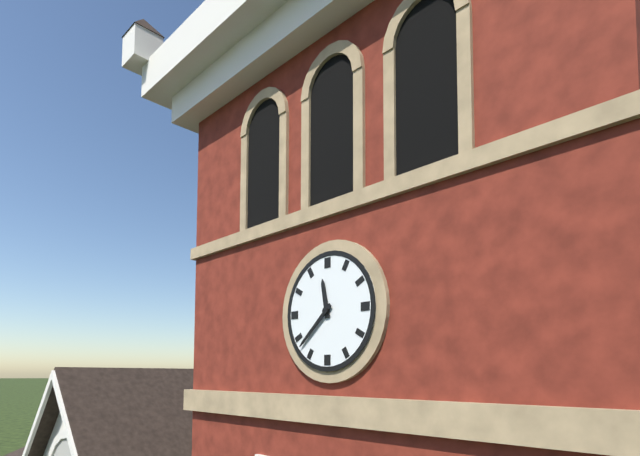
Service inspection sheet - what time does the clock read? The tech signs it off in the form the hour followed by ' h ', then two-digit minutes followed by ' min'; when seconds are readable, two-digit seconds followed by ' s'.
11 h 38 min
